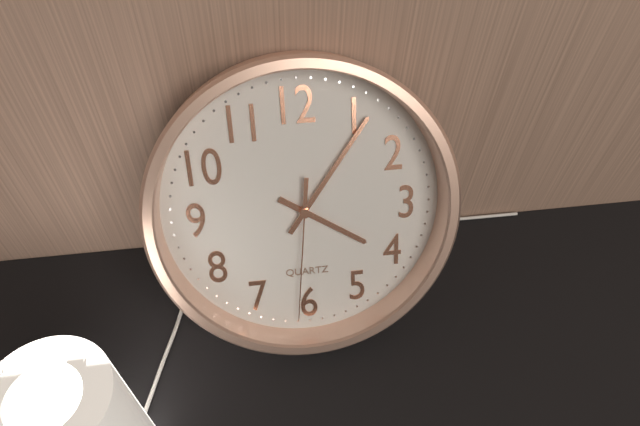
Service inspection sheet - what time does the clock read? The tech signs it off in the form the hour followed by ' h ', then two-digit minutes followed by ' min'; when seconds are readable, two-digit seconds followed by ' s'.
4 h 06 min 31 s
